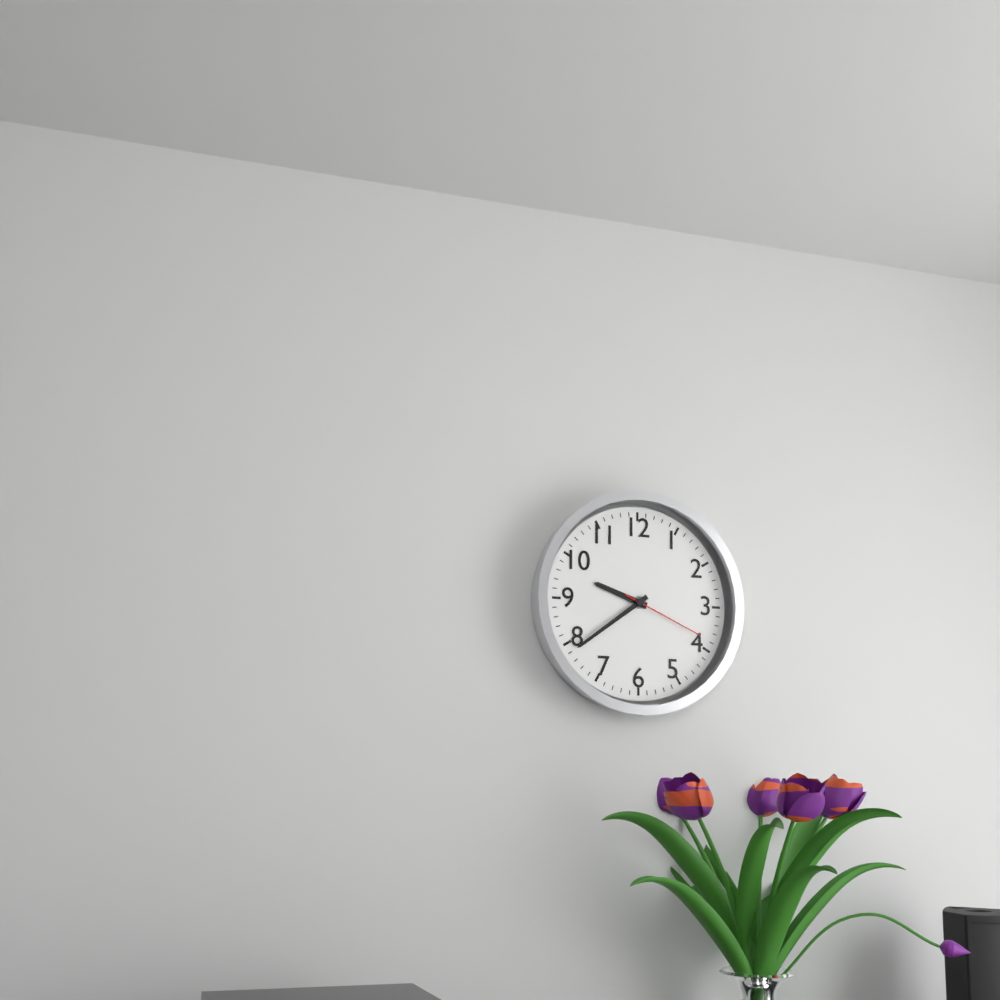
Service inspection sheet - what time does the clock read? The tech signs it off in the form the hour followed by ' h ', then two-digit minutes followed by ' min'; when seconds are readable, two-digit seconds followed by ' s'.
9 h 39 min 19 s
